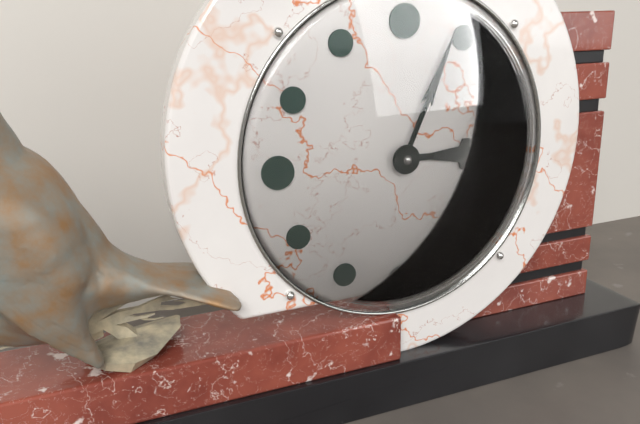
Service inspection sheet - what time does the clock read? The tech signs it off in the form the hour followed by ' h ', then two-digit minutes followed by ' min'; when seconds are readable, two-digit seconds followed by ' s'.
3 h 04 min
